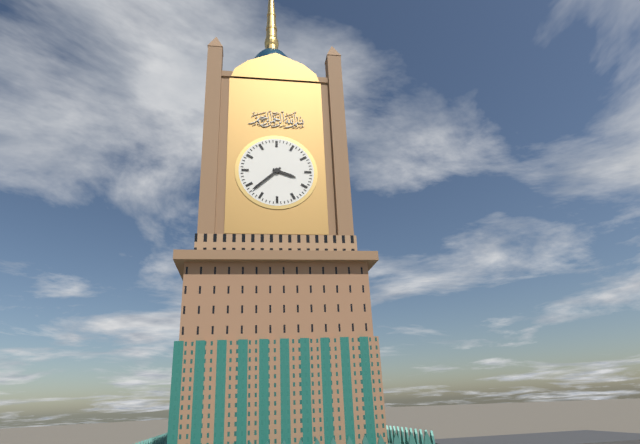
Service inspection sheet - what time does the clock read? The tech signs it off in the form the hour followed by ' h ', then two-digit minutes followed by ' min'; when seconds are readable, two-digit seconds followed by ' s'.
3 h 38 min
